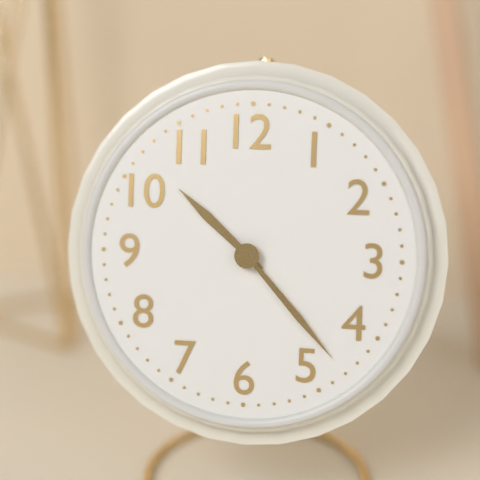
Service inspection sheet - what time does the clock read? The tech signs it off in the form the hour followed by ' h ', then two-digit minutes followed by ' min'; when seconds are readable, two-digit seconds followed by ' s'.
10 h 23 min
